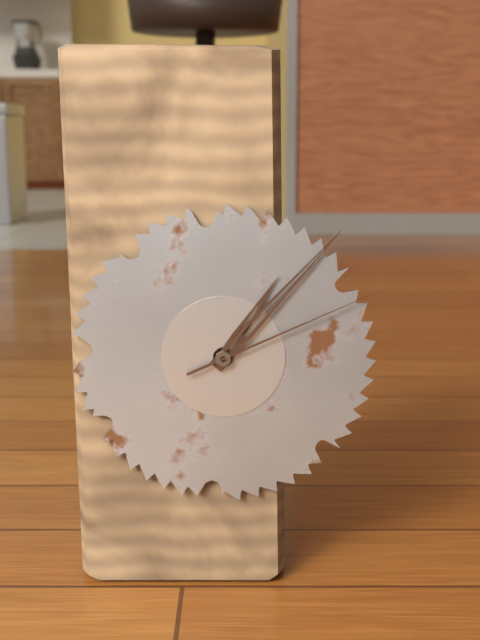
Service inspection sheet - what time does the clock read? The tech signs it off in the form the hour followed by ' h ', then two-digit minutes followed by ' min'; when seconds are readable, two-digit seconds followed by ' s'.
1 h 07 min 11 s
